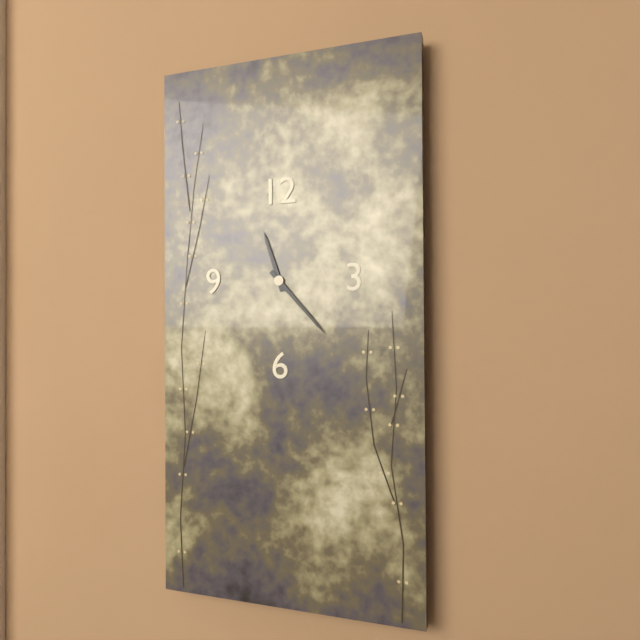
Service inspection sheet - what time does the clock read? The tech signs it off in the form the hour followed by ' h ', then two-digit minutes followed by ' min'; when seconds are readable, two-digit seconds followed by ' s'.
11 h 23 min
